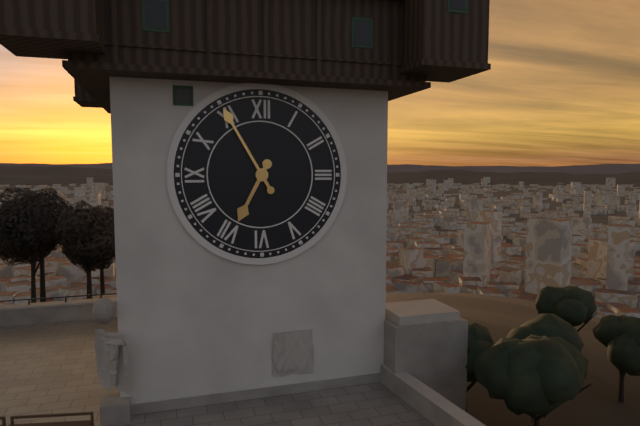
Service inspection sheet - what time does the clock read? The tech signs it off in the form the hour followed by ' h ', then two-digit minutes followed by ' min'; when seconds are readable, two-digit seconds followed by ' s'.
6 h 55 min
